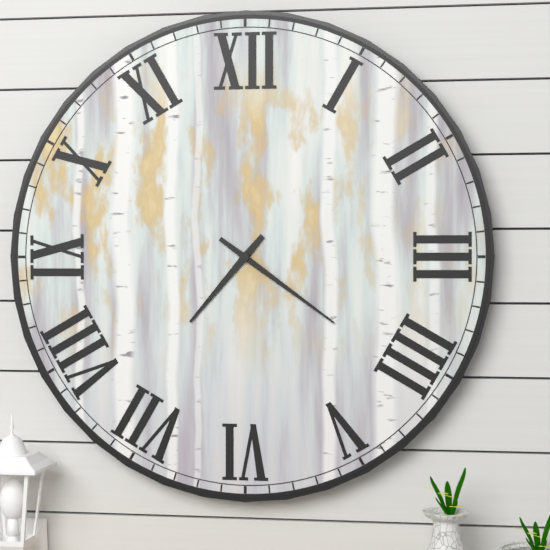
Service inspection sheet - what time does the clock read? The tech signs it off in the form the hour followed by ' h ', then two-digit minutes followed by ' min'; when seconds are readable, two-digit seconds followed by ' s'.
7 h 21 min
